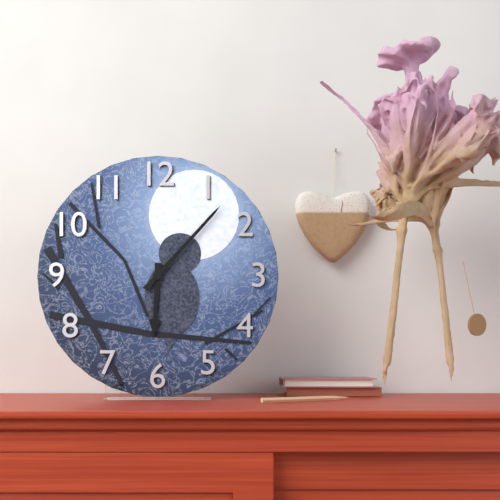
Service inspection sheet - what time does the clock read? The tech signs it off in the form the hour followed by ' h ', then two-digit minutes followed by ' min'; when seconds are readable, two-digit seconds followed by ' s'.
6 h 07 min
